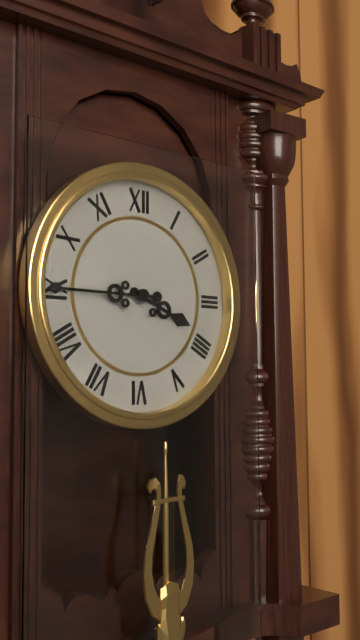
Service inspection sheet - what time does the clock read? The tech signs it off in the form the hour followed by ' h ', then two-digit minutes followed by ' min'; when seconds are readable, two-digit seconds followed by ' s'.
3 h 45 min
